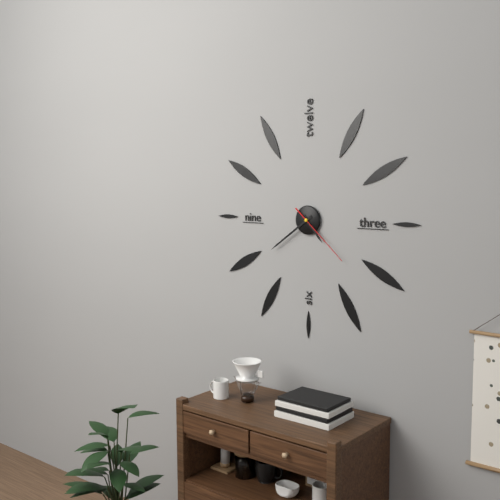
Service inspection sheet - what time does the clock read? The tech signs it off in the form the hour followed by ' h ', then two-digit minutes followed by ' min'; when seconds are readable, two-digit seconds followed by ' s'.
4 h 39 min 22 s
